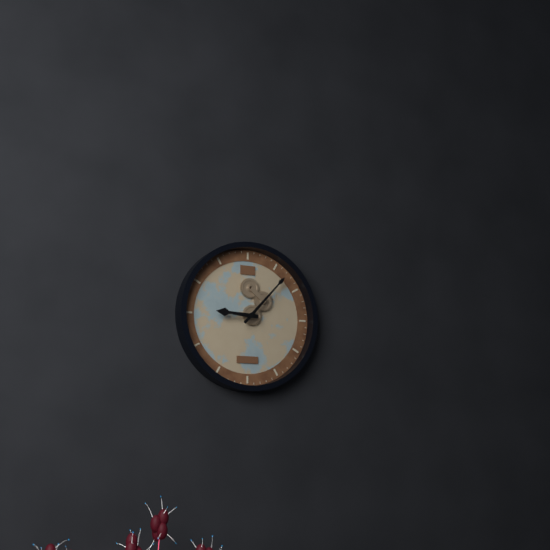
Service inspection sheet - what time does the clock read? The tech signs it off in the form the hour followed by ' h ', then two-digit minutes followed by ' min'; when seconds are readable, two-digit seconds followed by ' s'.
9 h 07 min
